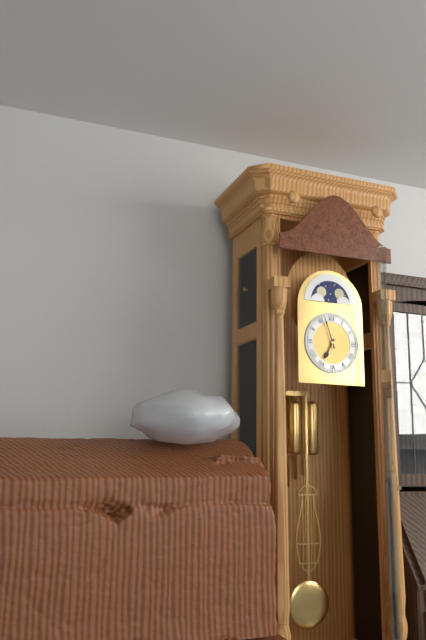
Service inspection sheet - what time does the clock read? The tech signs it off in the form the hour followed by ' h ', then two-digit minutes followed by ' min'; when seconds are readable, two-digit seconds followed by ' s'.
6 h 57 min
